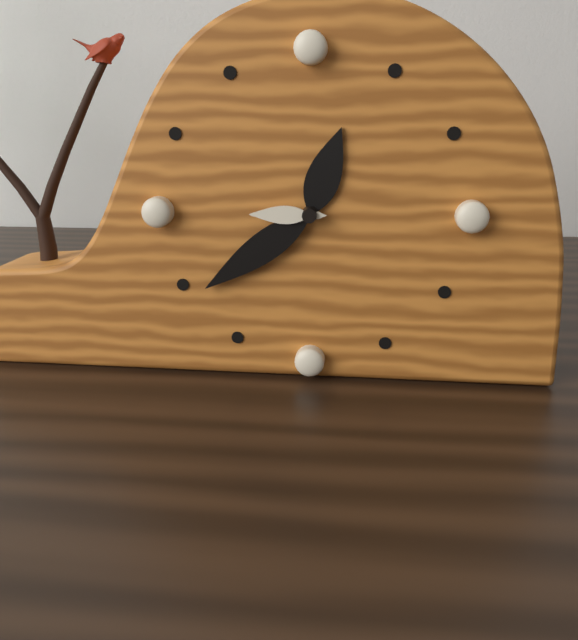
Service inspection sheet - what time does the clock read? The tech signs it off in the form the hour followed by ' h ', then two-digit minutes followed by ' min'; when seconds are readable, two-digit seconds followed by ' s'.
12 h 39 min 45 s
